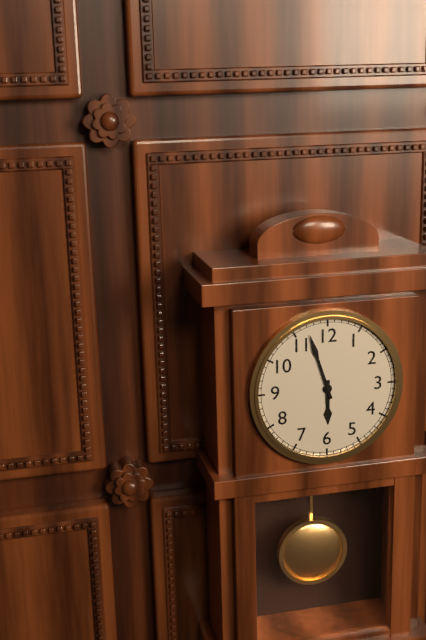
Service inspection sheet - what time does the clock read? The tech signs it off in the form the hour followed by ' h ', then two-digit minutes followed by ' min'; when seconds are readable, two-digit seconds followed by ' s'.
5 h 57 min
